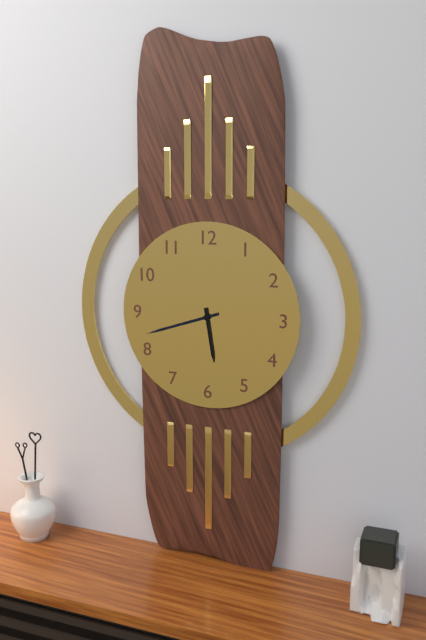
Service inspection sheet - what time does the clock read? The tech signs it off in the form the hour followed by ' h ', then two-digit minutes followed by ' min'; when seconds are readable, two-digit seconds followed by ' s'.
5 h 42 min
